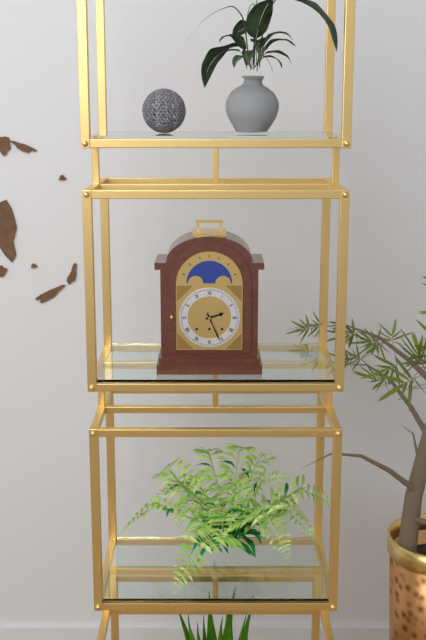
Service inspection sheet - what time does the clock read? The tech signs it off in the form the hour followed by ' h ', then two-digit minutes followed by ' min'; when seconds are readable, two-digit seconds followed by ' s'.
2 h 26 min
